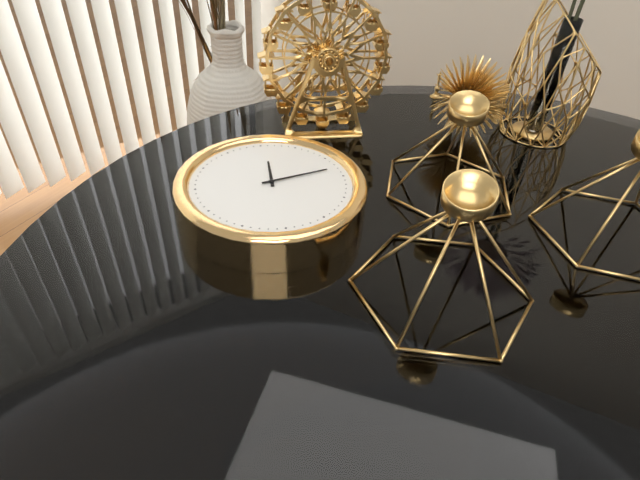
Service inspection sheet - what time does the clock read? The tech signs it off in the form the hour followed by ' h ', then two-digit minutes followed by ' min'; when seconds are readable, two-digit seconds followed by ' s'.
11 h 08 min
